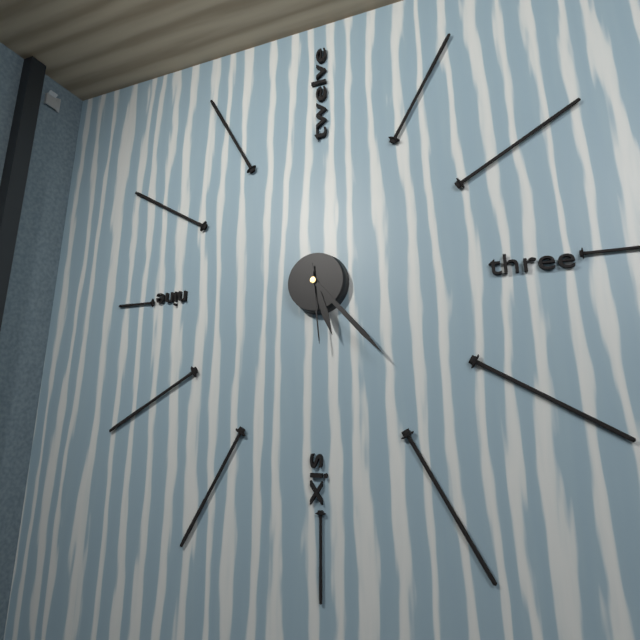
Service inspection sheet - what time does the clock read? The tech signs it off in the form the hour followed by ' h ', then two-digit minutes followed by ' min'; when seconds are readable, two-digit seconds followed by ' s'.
5 h 23 min 29 s
